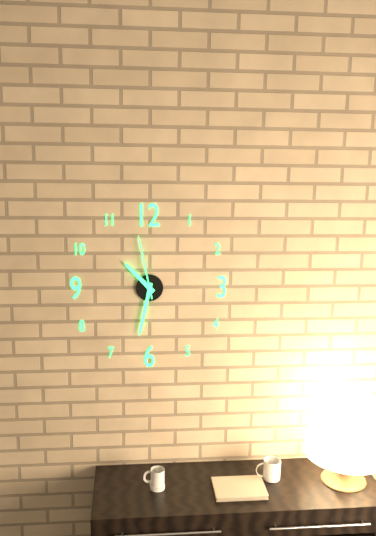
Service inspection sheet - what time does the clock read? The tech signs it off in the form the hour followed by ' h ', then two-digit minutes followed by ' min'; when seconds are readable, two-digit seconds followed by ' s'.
10 h 32 min 58 s
